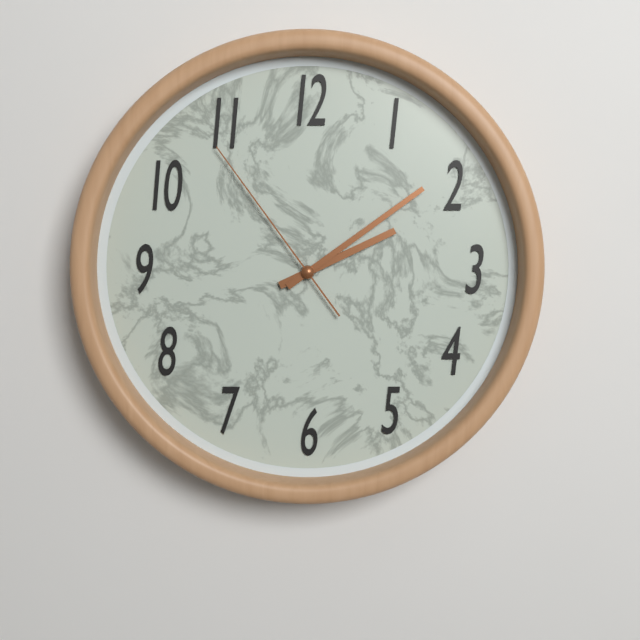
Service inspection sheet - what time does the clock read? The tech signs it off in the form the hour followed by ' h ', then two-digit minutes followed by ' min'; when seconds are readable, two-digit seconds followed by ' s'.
2 h 09 min 54 s
